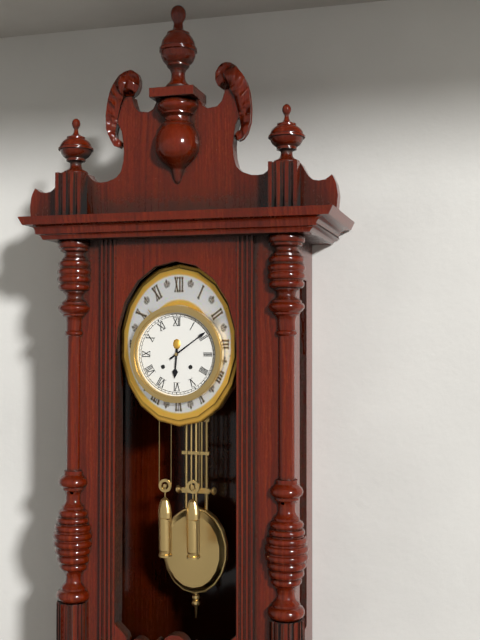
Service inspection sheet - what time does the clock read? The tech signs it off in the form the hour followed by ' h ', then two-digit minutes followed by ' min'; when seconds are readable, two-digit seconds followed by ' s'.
6 h 09 min
